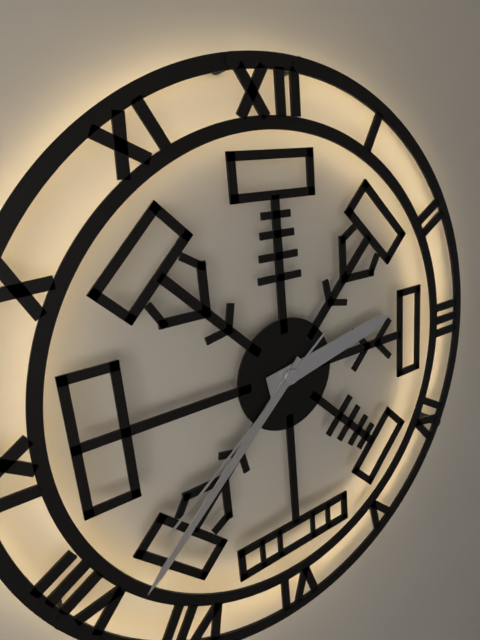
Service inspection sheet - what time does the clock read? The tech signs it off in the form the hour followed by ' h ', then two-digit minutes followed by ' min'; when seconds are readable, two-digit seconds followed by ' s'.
2 h 38 min 39 s
